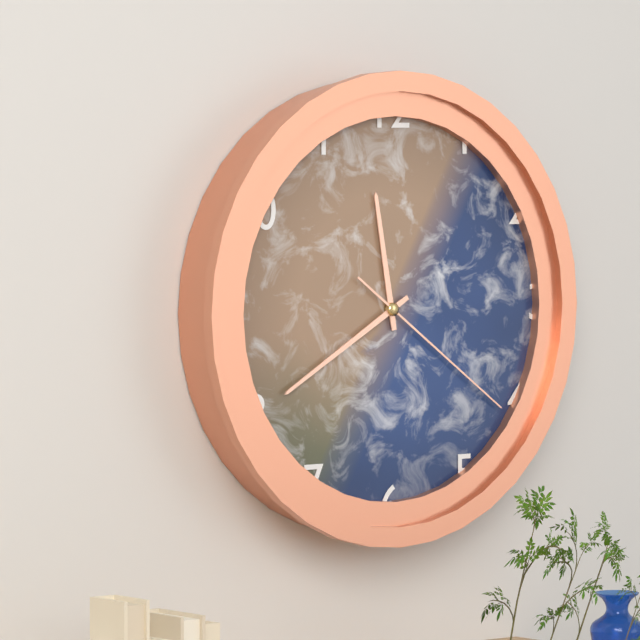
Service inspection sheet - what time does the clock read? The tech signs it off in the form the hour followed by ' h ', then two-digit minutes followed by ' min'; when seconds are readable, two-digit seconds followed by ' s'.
11 h 40 min 21 s
